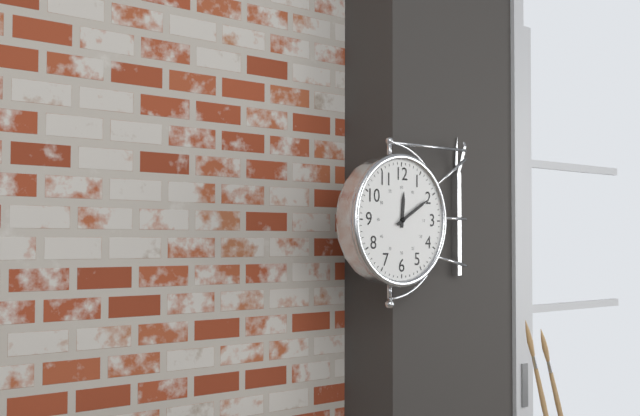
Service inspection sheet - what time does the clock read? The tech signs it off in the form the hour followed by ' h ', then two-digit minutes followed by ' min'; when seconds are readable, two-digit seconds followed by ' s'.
12 h 10 min
